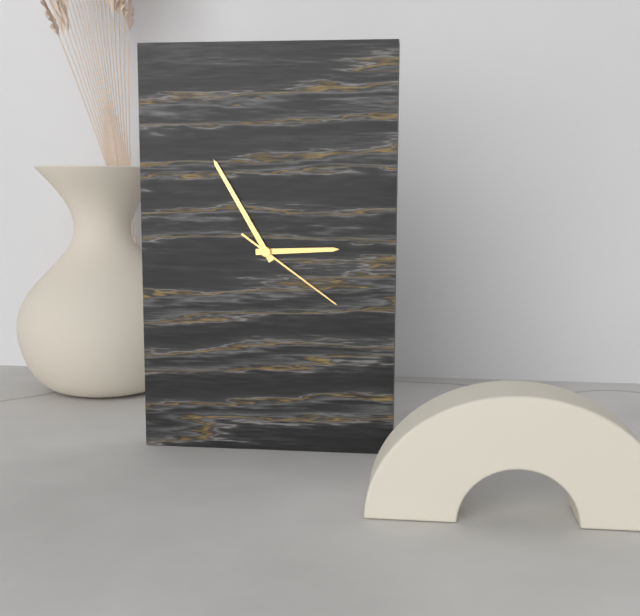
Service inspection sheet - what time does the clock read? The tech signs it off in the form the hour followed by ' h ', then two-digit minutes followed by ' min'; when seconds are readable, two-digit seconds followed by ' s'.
2 h 55 min 21 s
